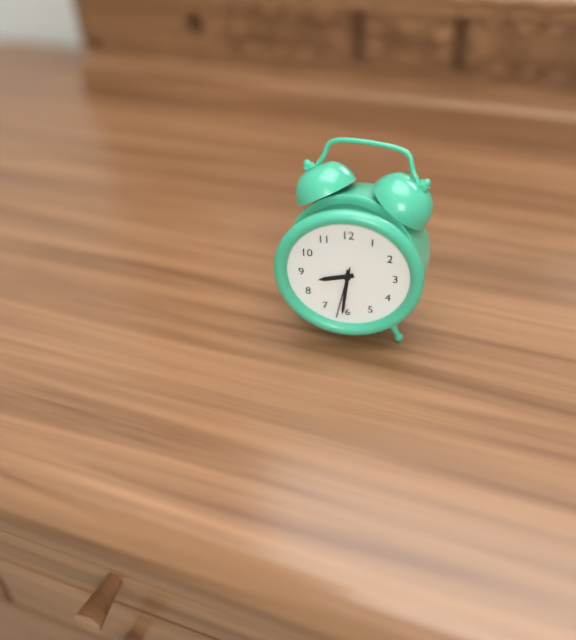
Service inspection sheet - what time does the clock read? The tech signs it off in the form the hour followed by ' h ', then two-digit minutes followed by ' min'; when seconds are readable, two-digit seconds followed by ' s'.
8 h 31 min 32 s
